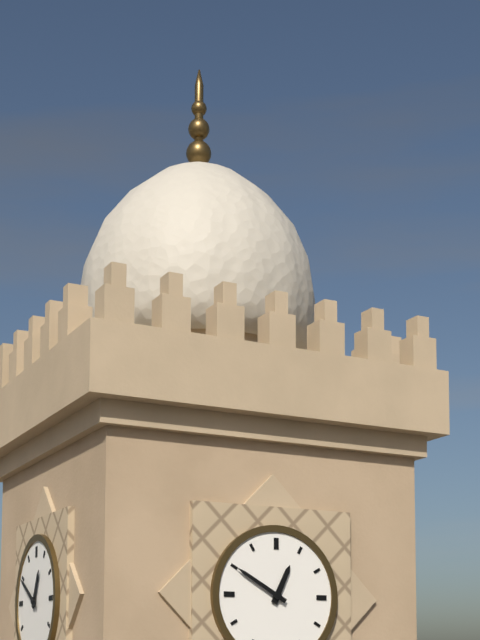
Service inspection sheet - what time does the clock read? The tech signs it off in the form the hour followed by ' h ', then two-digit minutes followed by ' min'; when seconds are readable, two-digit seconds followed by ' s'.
12 h 50 min
